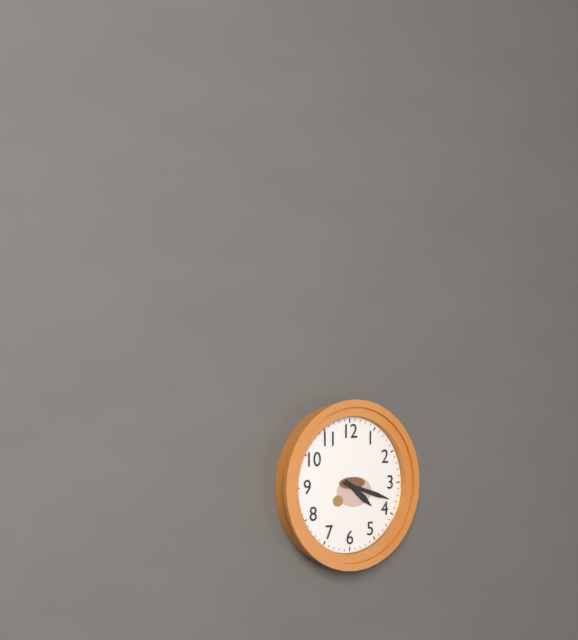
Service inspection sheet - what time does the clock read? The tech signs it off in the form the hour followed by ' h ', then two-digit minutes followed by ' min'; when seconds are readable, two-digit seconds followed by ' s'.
4 h 18 min
